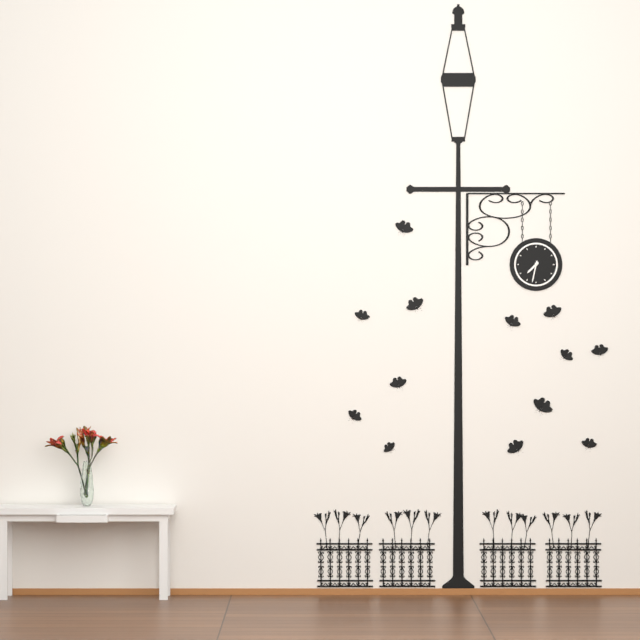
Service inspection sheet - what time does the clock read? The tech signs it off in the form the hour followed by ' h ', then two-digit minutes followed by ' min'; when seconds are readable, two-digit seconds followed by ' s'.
7 h 32 min
